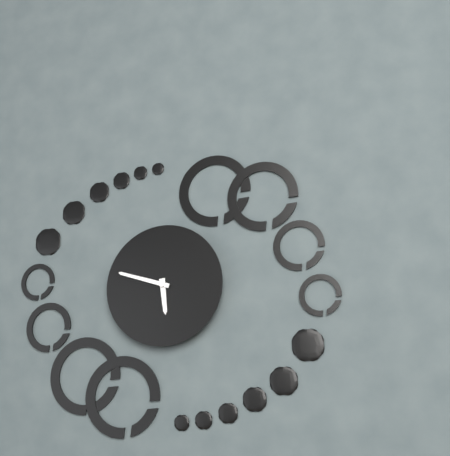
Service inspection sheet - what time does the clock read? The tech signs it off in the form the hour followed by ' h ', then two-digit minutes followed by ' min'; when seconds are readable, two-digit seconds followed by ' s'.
5 h 48 min
